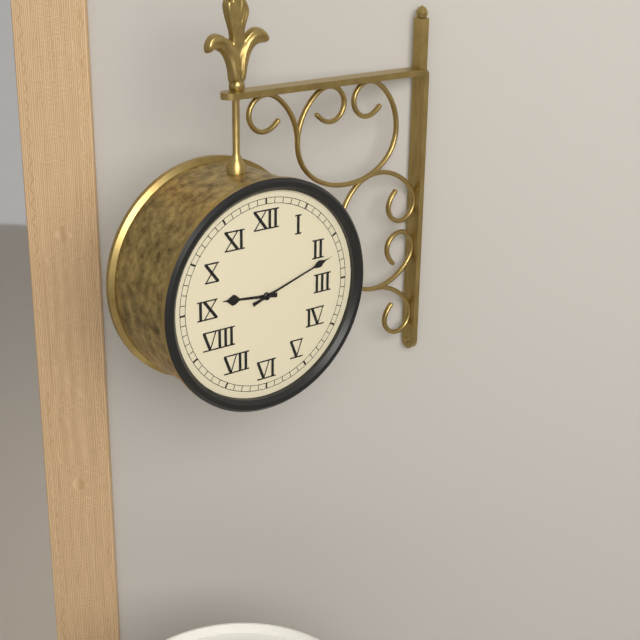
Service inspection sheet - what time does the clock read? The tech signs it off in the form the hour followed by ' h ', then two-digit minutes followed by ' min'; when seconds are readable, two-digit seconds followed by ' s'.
9 h 12 min
